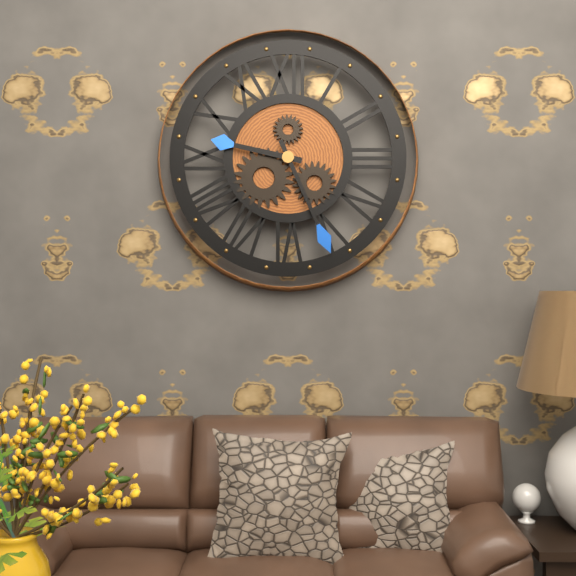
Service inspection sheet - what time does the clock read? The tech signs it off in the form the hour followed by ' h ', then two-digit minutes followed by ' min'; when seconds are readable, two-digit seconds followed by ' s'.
9 h 26 min
